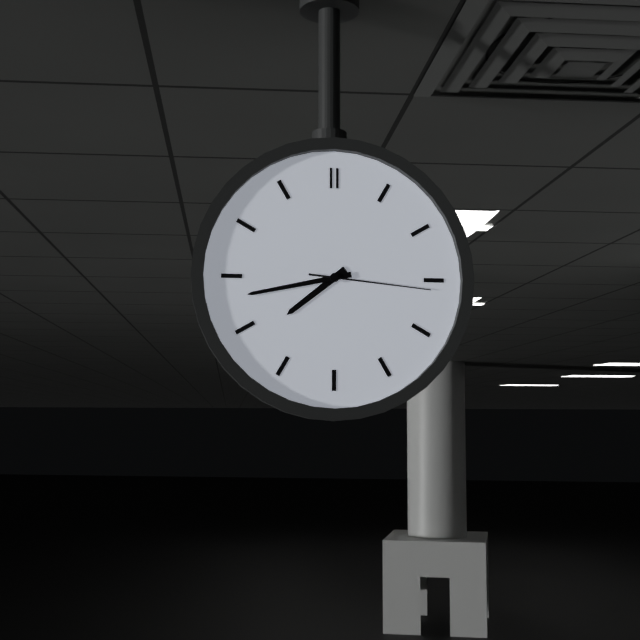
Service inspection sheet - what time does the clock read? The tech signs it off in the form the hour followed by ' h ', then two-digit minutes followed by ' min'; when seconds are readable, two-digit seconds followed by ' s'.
7 h 43 min 16 s
